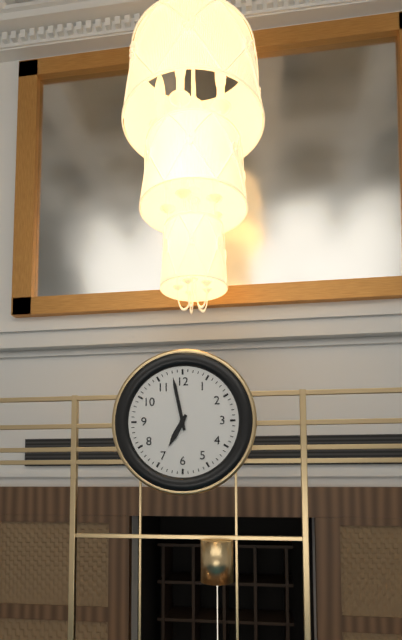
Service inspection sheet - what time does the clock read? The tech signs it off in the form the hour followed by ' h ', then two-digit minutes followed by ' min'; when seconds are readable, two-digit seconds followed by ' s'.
6 h 58 min
